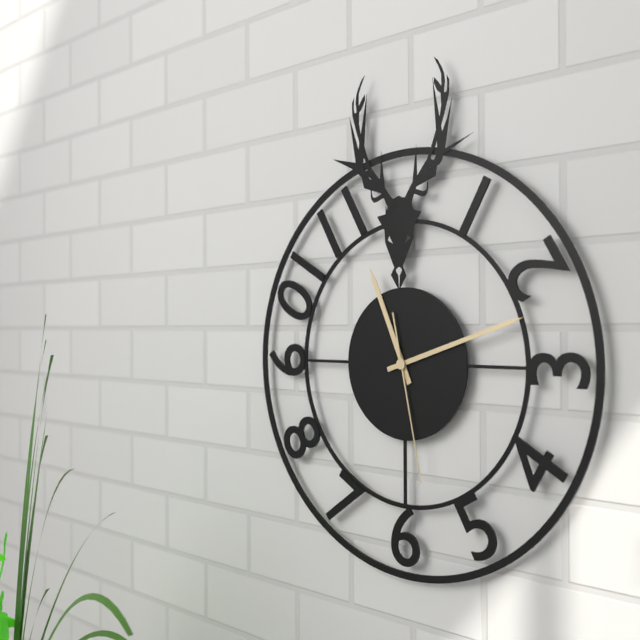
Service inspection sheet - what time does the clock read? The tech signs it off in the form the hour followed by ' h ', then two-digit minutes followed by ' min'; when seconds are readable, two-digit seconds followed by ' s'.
11 h 12 min 28 s
